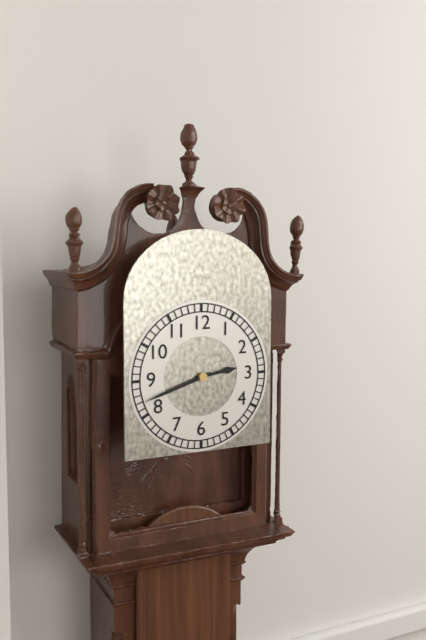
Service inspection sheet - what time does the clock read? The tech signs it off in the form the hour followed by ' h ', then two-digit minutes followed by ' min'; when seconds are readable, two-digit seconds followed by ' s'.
2 h 42 min
